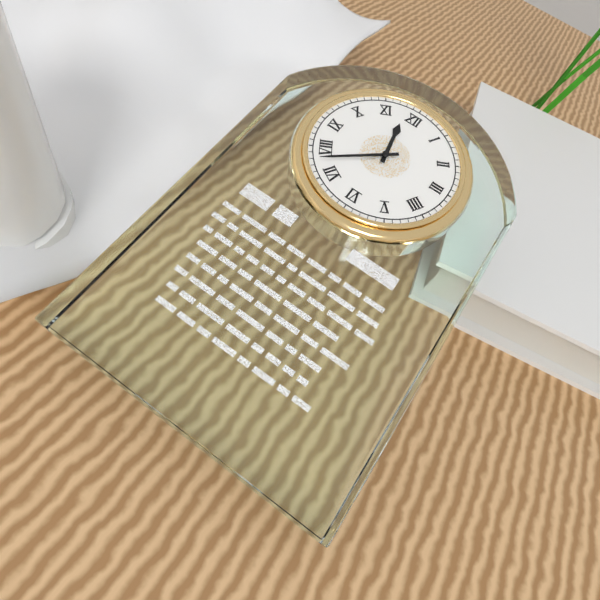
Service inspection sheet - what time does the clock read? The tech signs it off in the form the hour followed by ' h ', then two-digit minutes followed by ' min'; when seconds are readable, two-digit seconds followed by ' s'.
11 h 38 min
